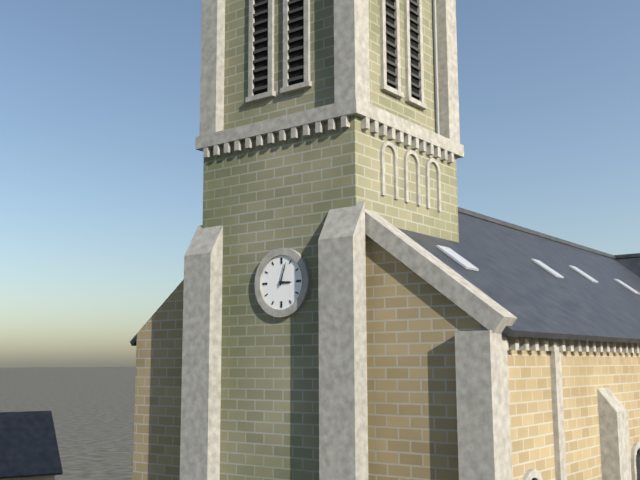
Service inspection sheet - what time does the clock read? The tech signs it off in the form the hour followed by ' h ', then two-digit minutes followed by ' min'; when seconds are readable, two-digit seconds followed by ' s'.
3 h 03 min
